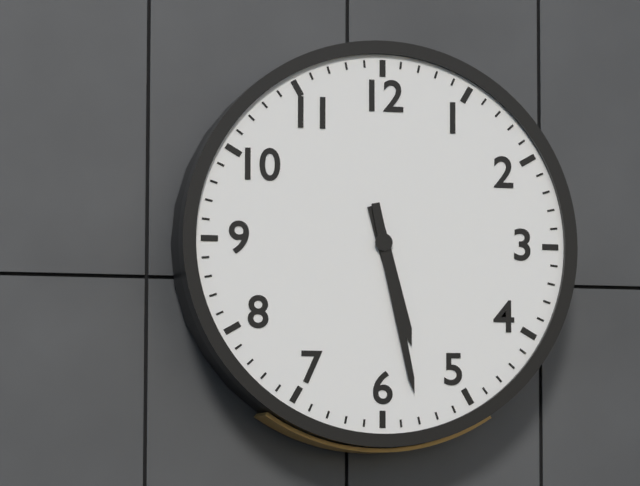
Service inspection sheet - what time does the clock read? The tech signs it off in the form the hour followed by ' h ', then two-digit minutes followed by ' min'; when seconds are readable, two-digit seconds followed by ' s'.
5 h 28 min
